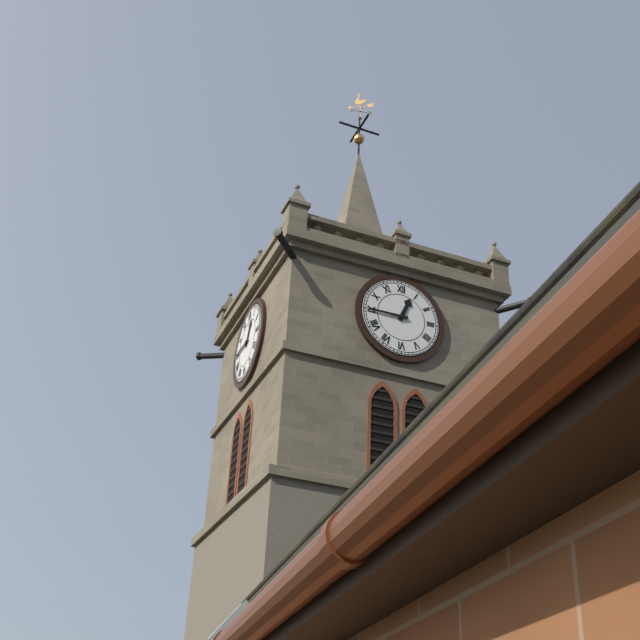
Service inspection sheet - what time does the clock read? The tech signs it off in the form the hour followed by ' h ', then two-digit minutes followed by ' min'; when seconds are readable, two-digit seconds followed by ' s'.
12 h 45 min
